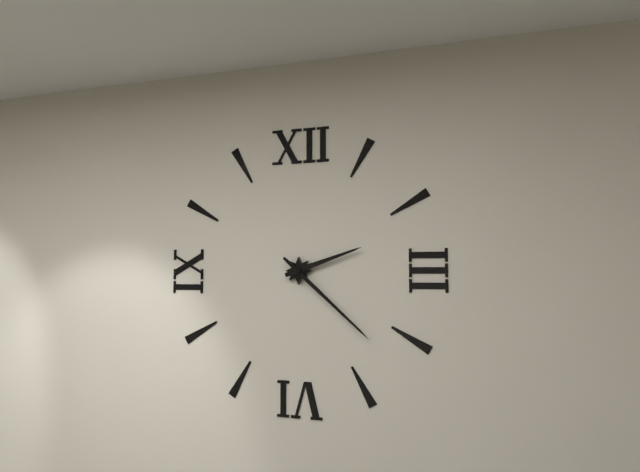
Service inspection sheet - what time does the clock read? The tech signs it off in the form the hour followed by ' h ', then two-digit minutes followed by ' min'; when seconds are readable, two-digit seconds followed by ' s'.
2 h 22 min
